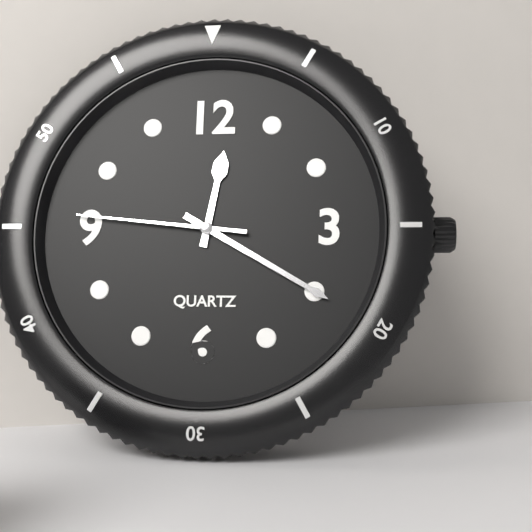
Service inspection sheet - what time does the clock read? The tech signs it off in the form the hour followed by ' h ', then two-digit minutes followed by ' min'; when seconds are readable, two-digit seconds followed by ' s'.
12 h 20 min 46 s
